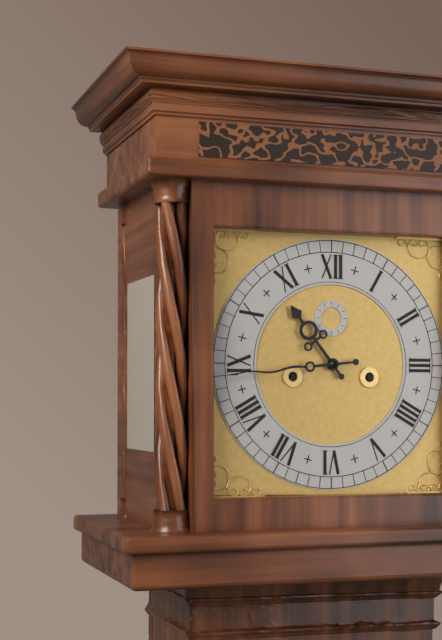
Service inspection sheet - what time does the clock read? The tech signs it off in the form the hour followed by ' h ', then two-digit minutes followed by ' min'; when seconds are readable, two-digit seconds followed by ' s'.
10 h 44 min
